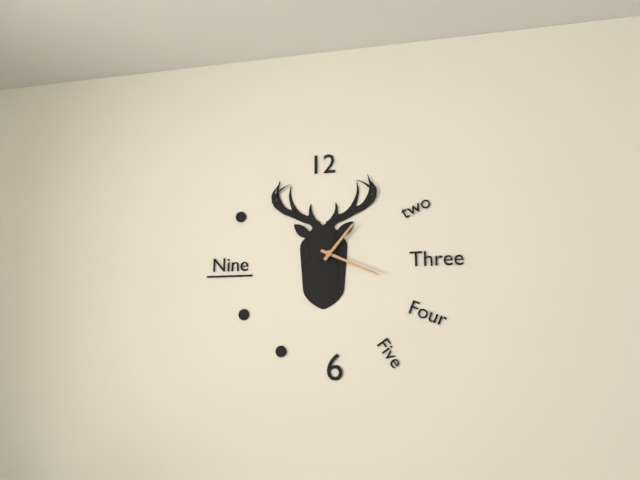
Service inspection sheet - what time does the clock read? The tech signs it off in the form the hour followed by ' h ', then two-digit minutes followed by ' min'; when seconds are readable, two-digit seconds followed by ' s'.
1 h 19 min
